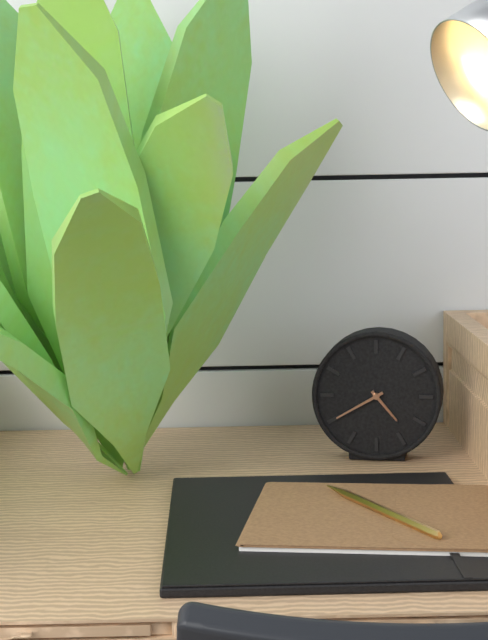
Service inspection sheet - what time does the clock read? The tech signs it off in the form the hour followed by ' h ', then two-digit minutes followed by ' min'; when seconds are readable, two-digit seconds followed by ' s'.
4 h 40 min
